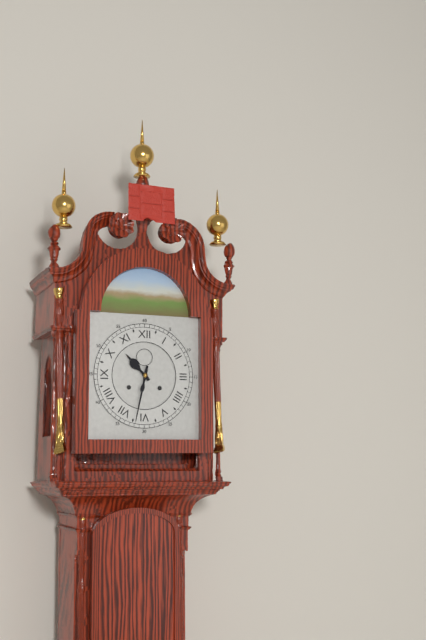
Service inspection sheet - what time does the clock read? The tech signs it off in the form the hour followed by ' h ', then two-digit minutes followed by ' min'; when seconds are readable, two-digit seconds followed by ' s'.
10 h 32 min
